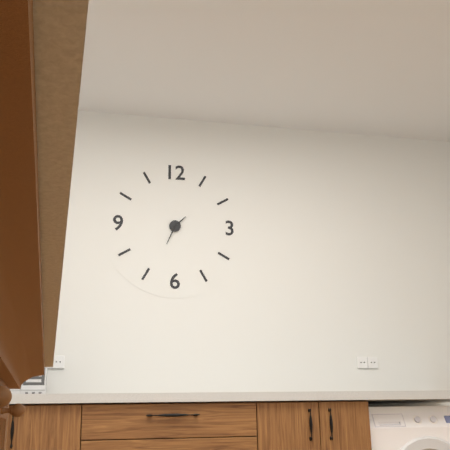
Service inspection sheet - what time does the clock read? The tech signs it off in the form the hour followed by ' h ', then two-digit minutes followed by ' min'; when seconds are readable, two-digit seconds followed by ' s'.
1 h 34 min
